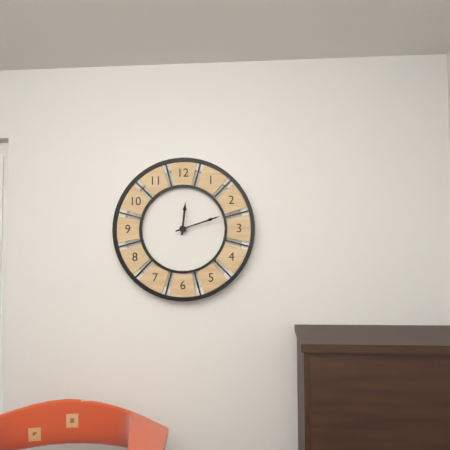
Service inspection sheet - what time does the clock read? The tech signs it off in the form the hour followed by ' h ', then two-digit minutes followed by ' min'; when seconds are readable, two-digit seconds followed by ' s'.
12 h 12 min
